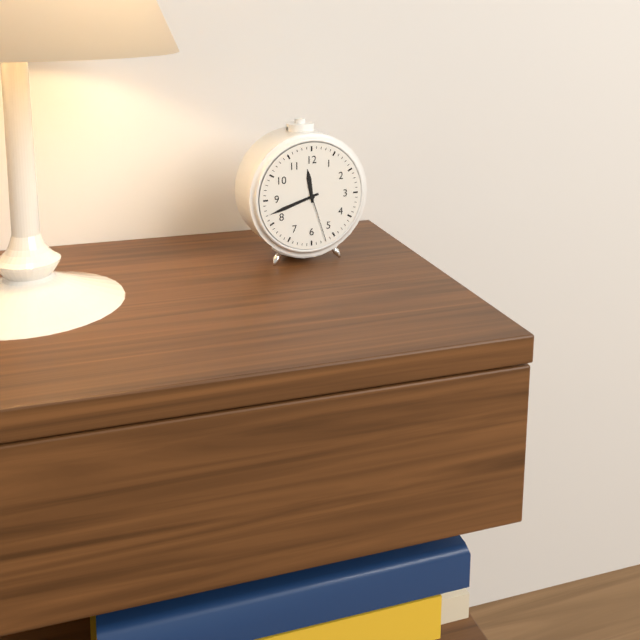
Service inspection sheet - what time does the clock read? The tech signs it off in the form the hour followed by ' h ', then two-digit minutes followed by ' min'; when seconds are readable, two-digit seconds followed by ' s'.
11 h 42 min 27 s
